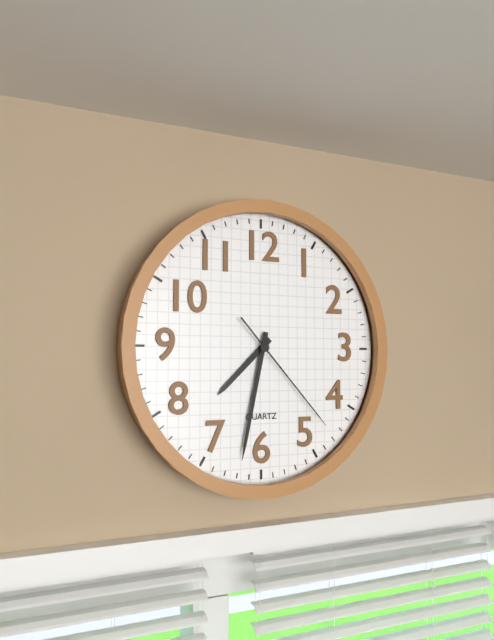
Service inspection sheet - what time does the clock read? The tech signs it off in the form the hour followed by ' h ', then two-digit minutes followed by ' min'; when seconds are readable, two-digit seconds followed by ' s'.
7 h 32 min 23 s
